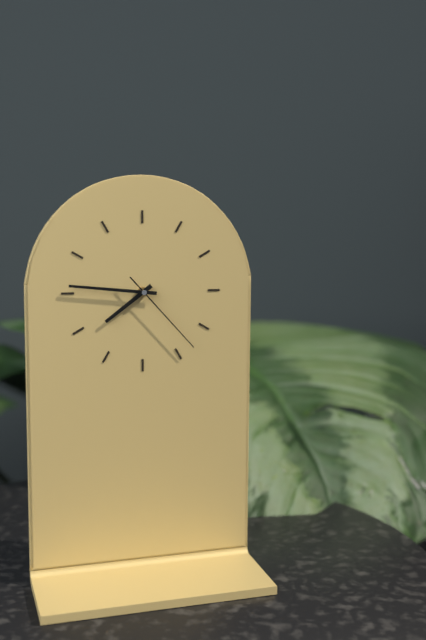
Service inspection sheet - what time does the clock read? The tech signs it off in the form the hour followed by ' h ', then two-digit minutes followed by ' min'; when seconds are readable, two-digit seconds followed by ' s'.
7 h 46 min 23 s
